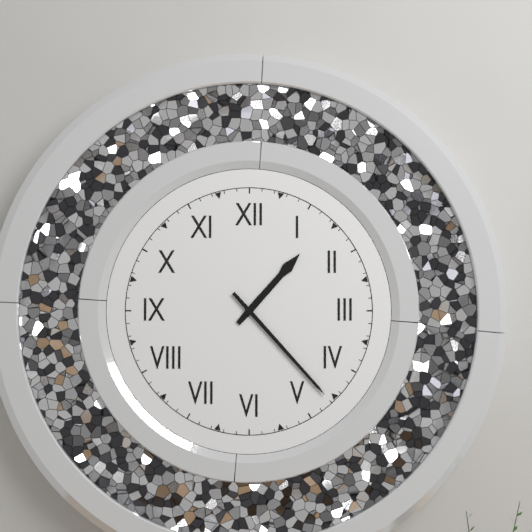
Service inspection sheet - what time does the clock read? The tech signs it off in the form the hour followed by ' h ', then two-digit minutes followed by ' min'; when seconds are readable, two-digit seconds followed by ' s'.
1 h 23 min
